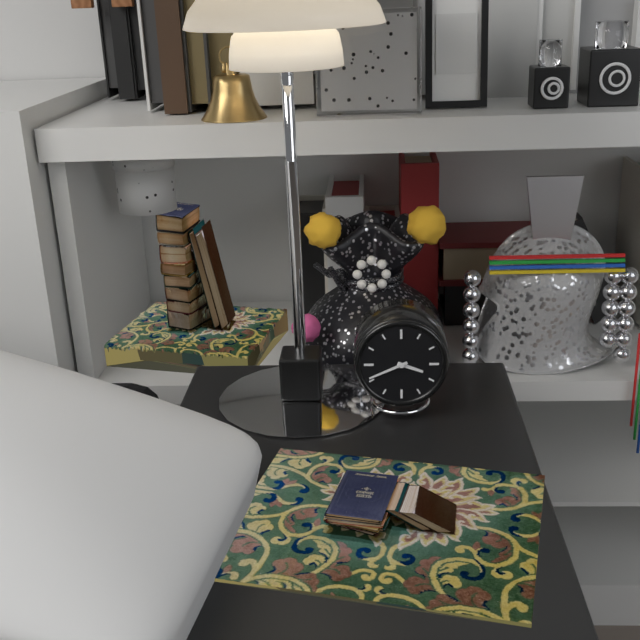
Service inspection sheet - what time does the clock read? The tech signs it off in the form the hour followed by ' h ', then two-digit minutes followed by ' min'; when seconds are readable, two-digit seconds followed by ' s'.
3 h 41 min
